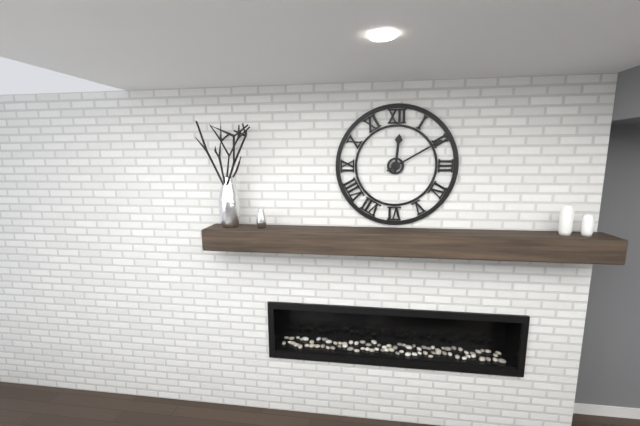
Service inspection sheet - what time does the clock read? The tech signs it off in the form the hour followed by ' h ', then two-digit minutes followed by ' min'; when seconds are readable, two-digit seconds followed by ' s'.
12 h 10 min
